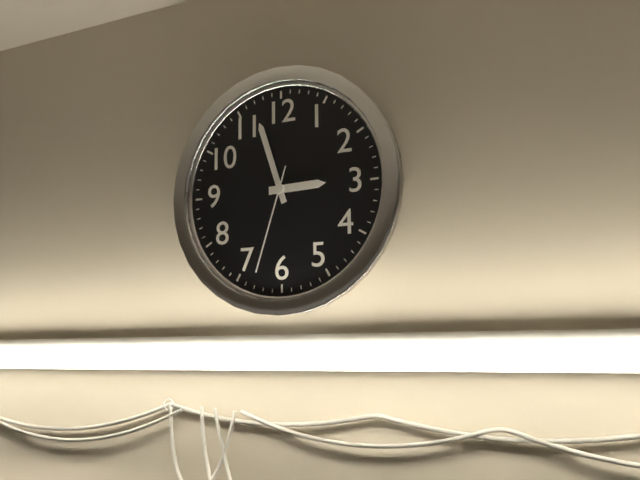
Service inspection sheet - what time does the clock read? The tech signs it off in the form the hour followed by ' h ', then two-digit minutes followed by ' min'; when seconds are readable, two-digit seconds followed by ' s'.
2 h 57 min 33 s
